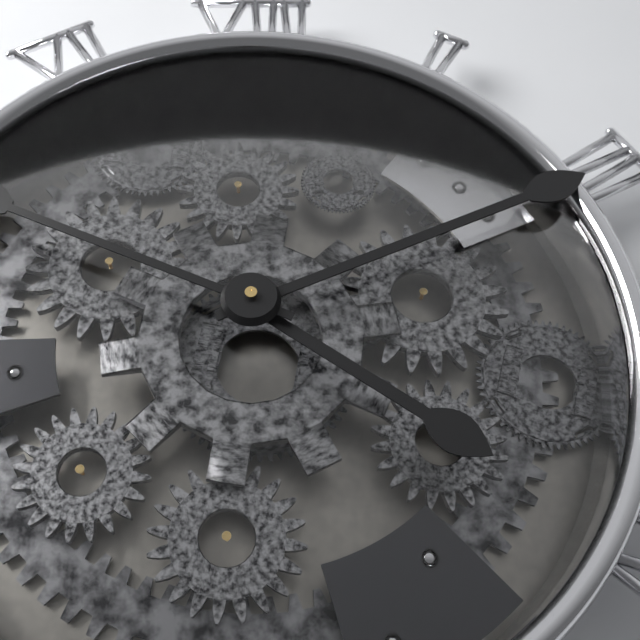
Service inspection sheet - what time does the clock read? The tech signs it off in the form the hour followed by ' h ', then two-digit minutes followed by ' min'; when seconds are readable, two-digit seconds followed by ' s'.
4 h 11 min
